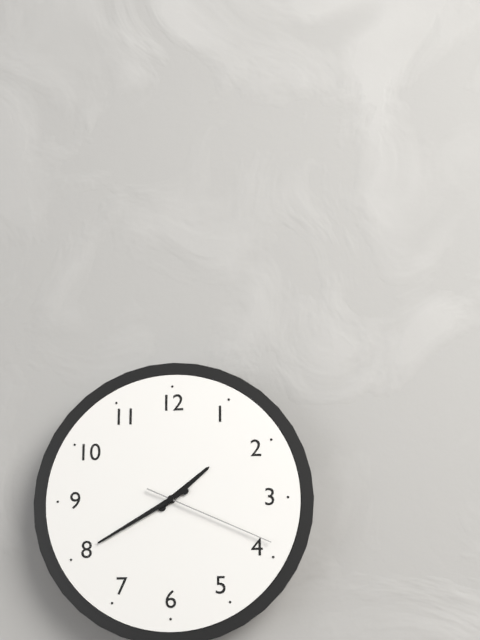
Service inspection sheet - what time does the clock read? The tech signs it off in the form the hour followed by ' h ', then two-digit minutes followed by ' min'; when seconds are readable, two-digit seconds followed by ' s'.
1 h 40 min 19 s
